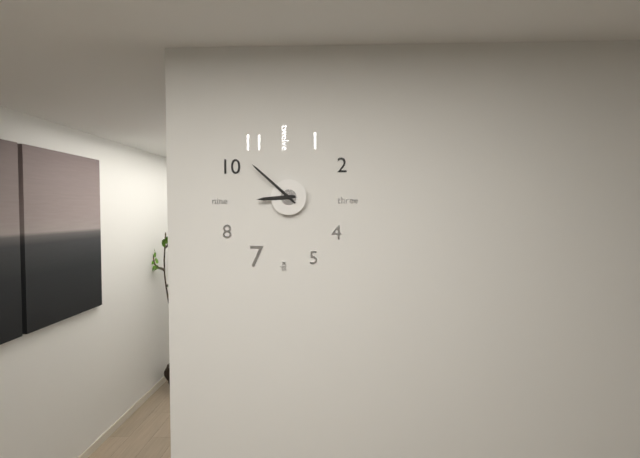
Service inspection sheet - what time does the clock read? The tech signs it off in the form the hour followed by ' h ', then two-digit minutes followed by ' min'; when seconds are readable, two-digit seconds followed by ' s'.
8 h 52 min
